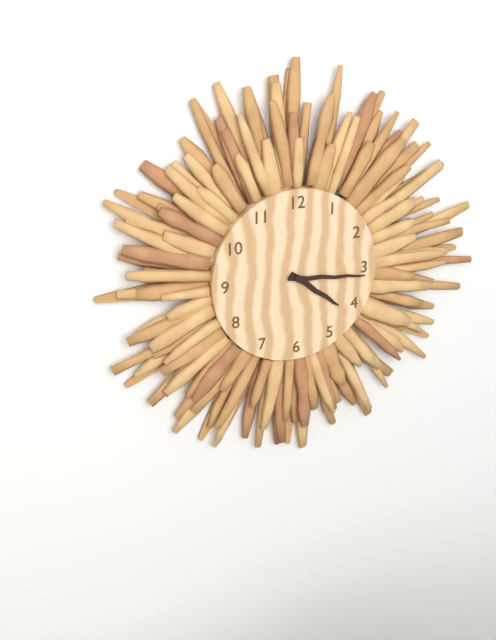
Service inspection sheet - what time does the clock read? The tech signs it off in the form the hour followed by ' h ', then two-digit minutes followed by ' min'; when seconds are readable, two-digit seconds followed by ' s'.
4 h 16 min
